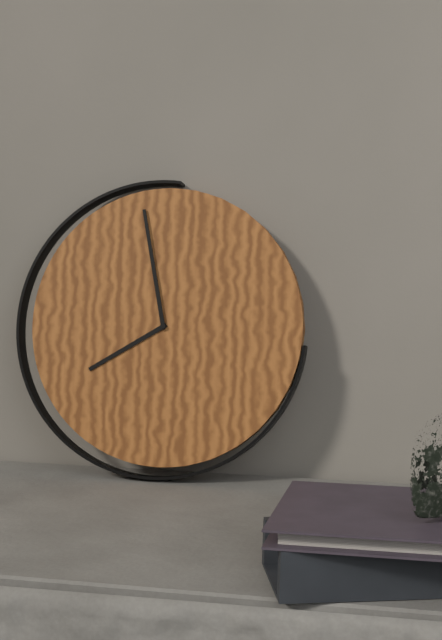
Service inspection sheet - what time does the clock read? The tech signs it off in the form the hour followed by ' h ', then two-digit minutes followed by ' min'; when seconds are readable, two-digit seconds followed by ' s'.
7 h 58 min
